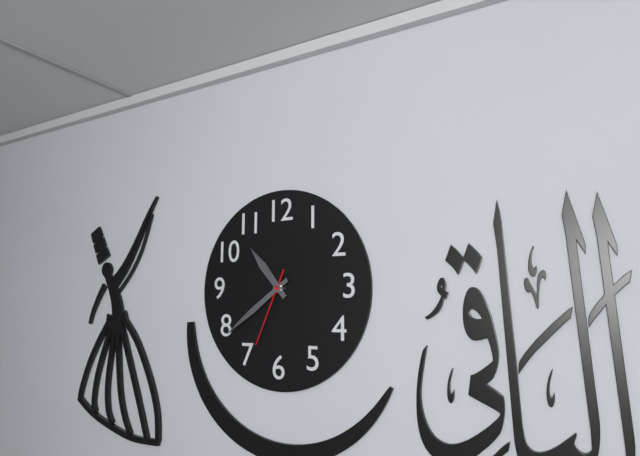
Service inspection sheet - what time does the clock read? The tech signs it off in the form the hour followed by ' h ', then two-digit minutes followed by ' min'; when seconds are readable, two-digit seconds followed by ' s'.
10 h 39 min 34 s
